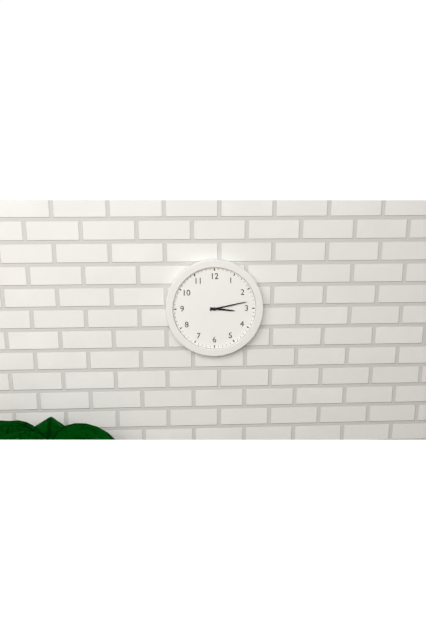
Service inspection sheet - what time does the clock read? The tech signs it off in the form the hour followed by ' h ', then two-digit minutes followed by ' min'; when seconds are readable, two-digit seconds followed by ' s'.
3 h 13 min
